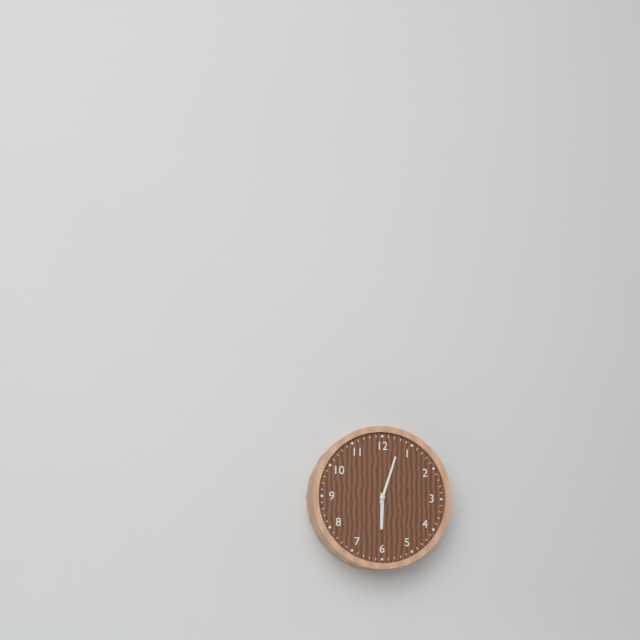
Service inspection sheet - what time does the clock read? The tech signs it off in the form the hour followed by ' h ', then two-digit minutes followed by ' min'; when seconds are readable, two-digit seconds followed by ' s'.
6 h 03 min
